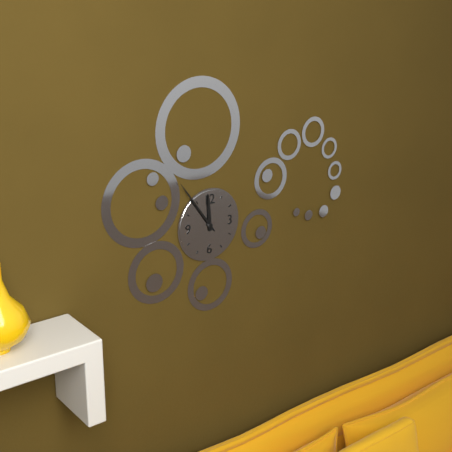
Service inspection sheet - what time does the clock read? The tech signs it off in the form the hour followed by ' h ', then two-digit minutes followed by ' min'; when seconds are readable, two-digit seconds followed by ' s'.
11 h 54 min
